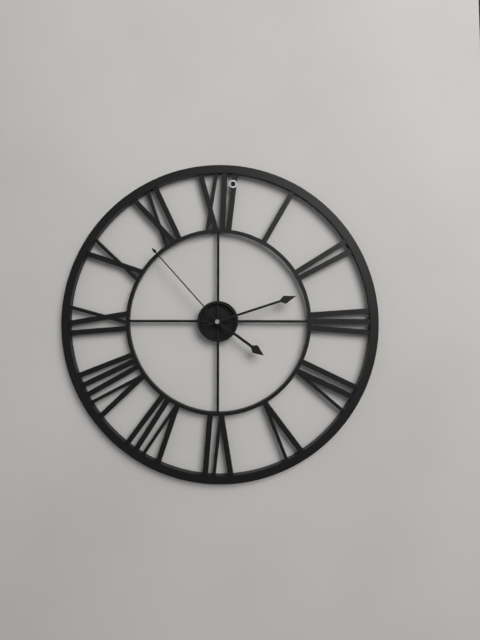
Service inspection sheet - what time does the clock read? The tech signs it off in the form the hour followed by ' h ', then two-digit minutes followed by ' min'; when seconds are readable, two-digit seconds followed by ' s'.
4 h 12 min 53 s
